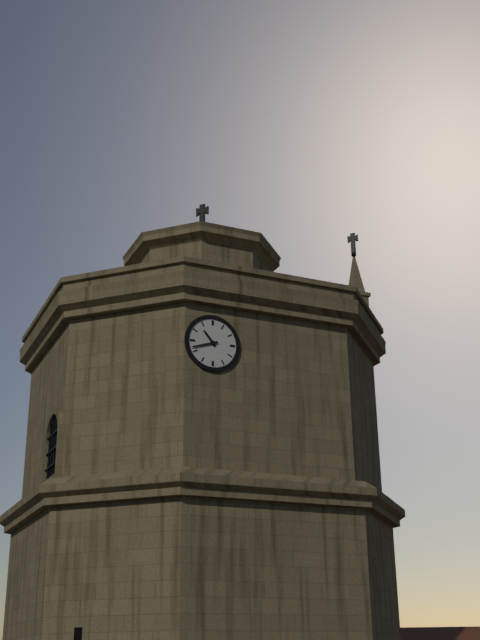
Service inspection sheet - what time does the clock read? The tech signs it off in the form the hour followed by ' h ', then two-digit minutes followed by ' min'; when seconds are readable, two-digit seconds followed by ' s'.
10 h 42 min
